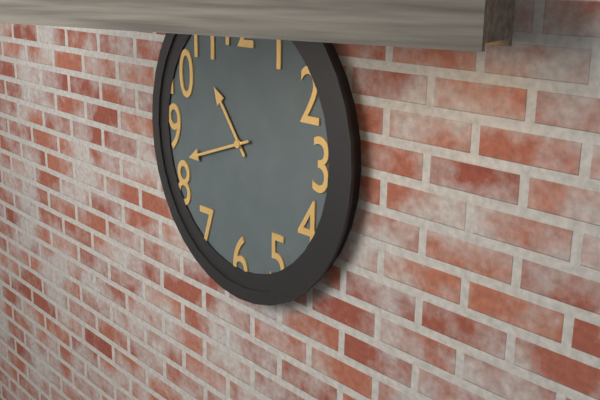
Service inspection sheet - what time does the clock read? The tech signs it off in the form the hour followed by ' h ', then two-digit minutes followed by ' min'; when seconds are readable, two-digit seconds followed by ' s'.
10 h 42 min
